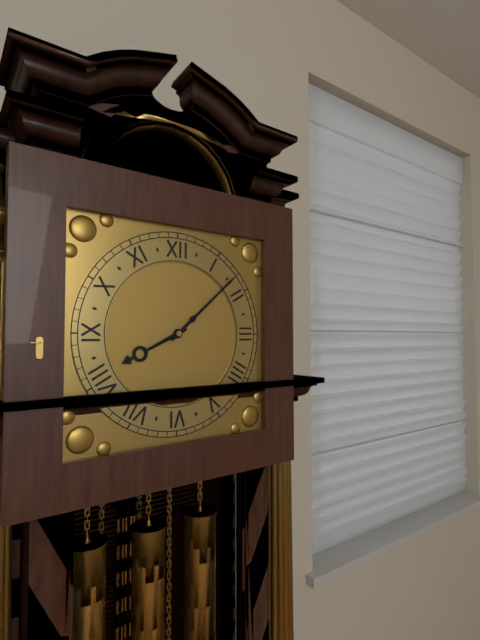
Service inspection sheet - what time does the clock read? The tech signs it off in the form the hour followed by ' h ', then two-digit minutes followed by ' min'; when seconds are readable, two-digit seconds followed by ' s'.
8 h 08 min
